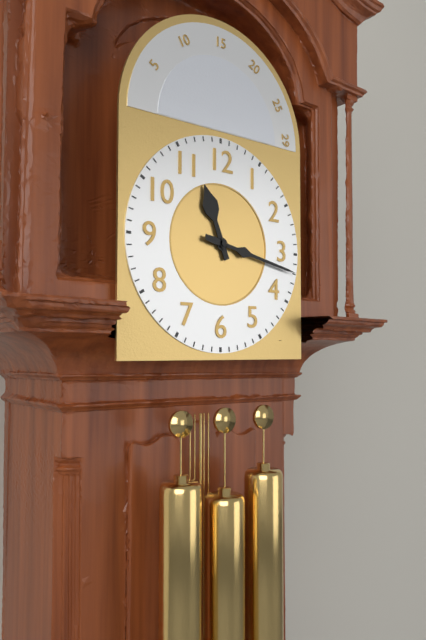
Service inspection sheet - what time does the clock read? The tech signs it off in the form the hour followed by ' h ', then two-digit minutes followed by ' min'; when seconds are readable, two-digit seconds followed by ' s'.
11 h 17 min
